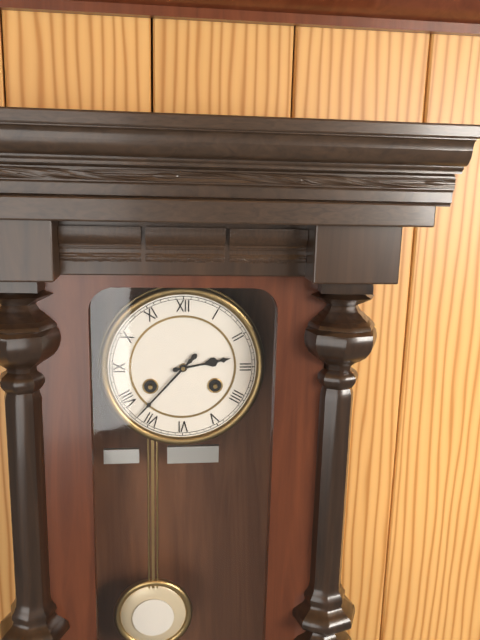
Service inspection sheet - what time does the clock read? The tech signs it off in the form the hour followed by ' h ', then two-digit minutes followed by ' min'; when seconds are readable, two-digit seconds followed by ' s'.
2 h 37 min
